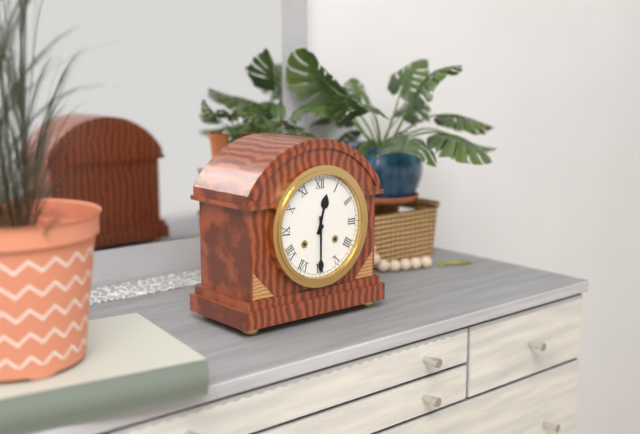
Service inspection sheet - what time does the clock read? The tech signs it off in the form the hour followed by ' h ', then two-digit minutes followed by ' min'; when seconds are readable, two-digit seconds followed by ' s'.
12 h 30 min
